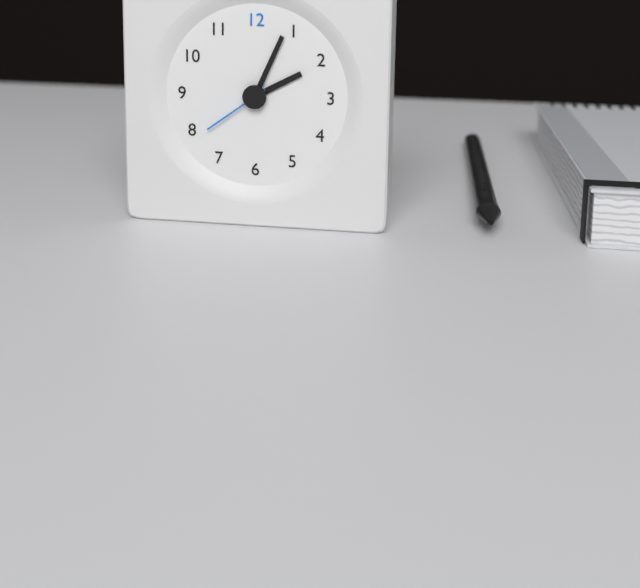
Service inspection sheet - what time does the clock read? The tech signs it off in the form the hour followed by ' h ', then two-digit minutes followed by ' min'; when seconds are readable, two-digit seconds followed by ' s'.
2 h 04 min 39 s
